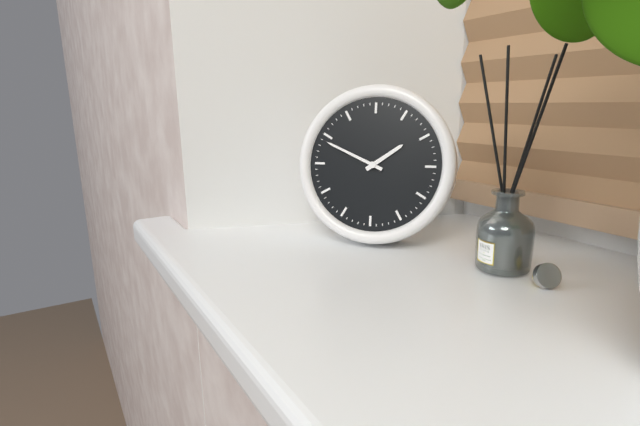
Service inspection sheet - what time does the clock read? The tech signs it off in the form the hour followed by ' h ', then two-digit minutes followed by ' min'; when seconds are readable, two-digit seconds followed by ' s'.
1 h 49 min
